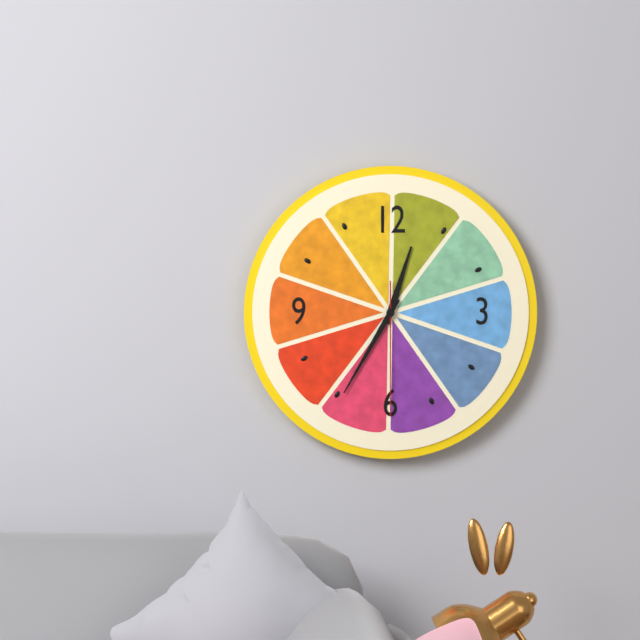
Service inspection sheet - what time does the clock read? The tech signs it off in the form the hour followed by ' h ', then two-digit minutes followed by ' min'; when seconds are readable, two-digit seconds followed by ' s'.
12 h 35 min 30 s
